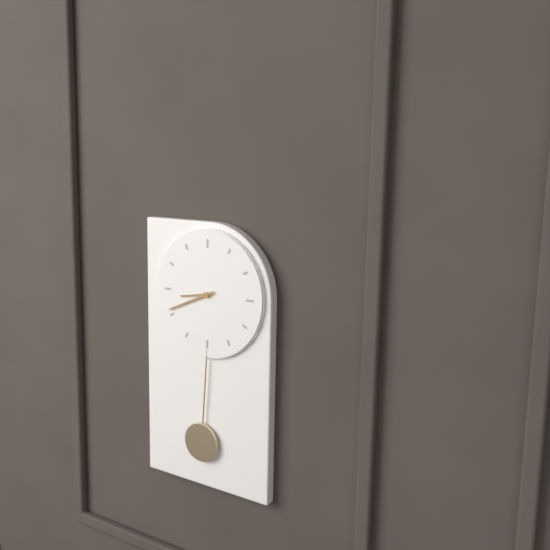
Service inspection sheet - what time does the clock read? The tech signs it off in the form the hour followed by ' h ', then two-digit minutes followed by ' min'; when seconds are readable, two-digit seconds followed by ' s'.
8 h 41 min
